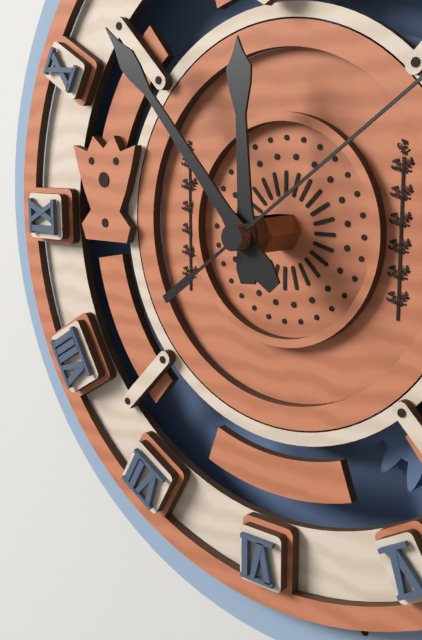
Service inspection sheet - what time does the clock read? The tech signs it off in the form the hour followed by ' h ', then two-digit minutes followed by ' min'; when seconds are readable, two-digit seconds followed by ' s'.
11 h 53 min
